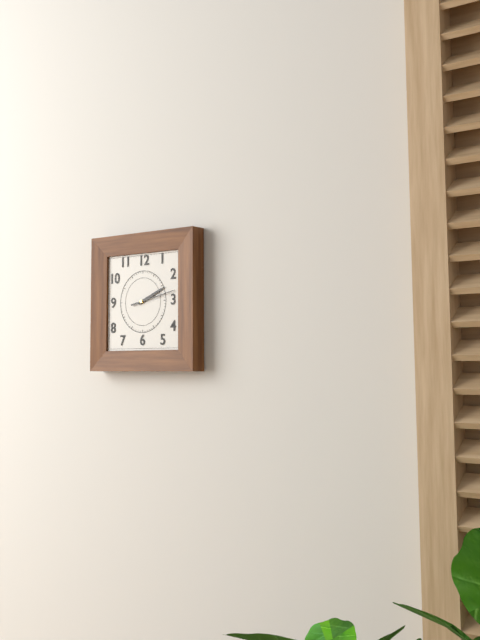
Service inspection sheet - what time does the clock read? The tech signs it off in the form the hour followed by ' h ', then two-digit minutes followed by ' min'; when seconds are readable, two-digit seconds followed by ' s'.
2 h 13 min
